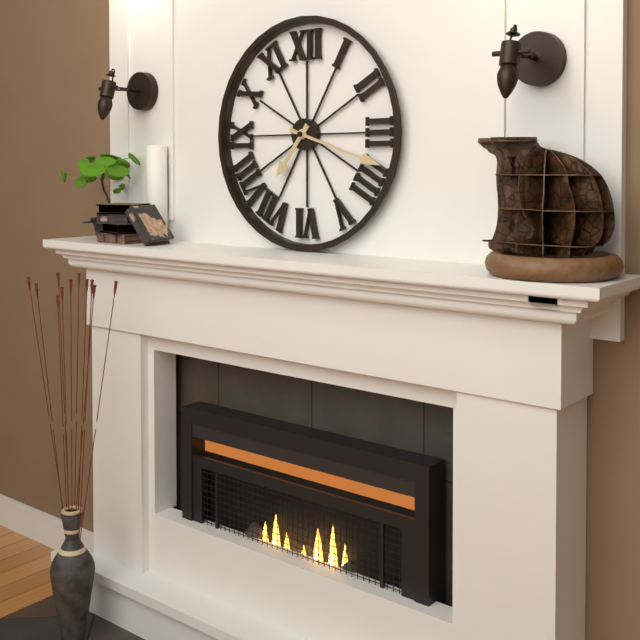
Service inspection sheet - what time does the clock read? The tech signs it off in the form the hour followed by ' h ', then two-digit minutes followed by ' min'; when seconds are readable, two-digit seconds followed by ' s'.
7 h 18 min
